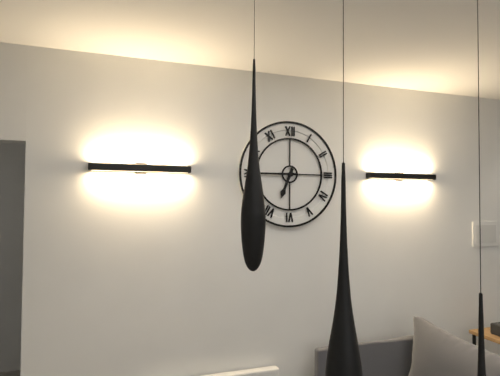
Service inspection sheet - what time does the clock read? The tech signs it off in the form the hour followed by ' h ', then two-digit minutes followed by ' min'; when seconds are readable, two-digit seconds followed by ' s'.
6 h 45 min
